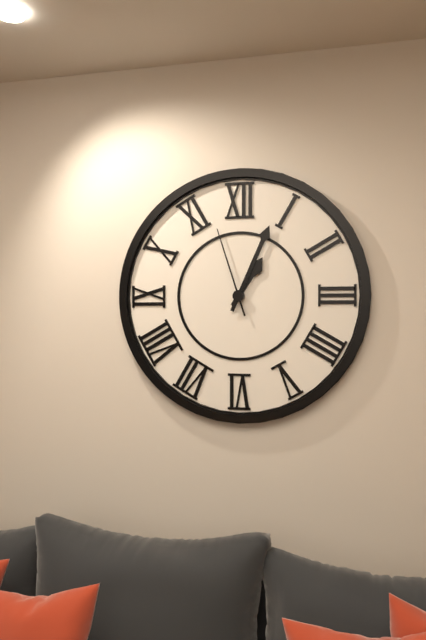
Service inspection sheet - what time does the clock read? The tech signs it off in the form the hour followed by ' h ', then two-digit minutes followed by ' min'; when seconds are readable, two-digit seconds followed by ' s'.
1 h 04 min 57 s
